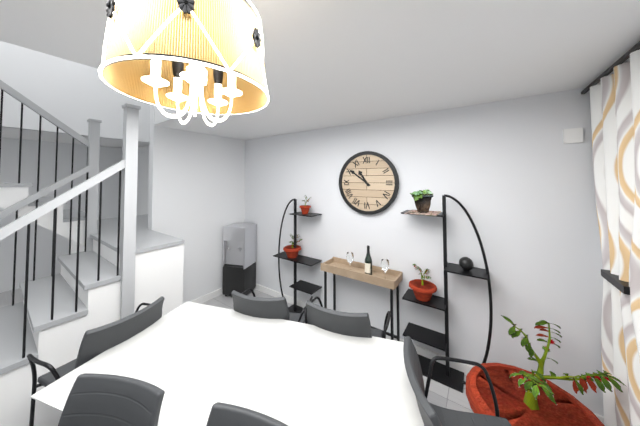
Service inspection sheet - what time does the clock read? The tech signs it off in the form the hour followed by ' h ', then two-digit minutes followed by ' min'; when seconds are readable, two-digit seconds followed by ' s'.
10 h 51 min
